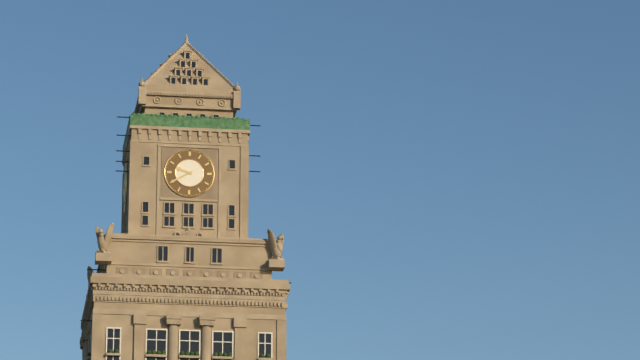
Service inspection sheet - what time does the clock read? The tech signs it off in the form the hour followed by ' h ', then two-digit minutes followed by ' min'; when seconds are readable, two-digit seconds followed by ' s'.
9 h 40 min
